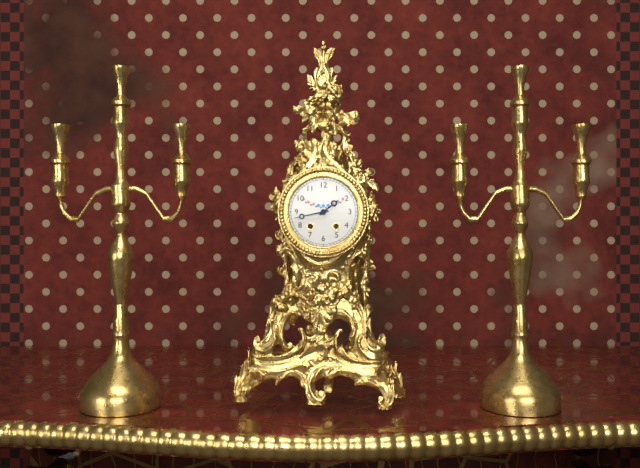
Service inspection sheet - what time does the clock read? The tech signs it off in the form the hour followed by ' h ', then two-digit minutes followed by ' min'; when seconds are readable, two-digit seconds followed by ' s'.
1 h 43 min
